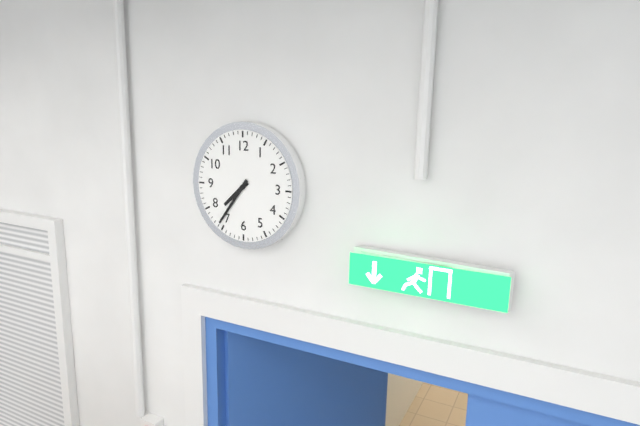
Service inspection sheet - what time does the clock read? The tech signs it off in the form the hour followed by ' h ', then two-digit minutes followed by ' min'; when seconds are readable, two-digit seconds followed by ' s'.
7 h 36 min
